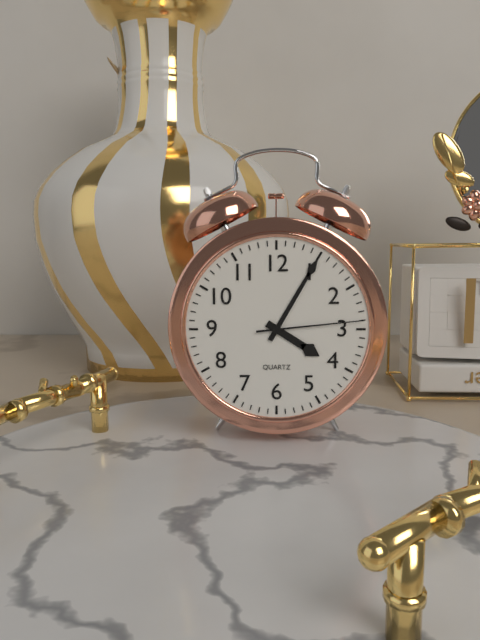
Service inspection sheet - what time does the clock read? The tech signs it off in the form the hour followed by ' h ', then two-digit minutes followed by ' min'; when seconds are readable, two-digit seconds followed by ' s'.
4 h 05 min 14 s
